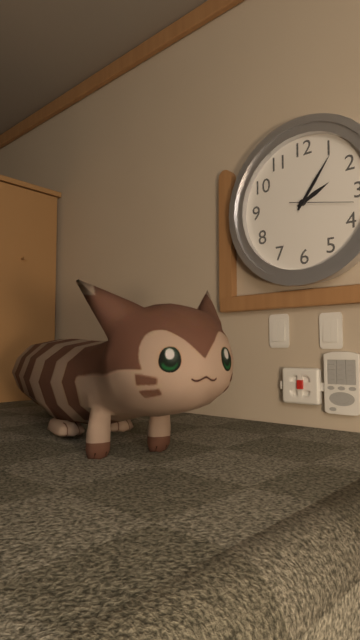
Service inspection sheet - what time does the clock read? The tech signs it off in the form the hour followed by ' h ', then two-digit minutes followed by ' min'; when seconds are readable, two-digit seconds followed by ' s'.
2 h 06 min 17 s
